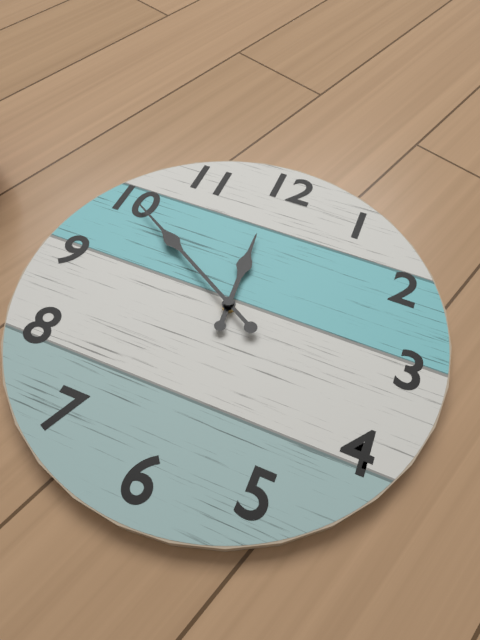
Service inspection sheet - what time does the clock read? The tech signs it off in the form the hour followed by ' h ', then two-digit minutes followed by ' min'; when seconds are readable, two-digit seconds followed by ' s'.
11 h 50 min
